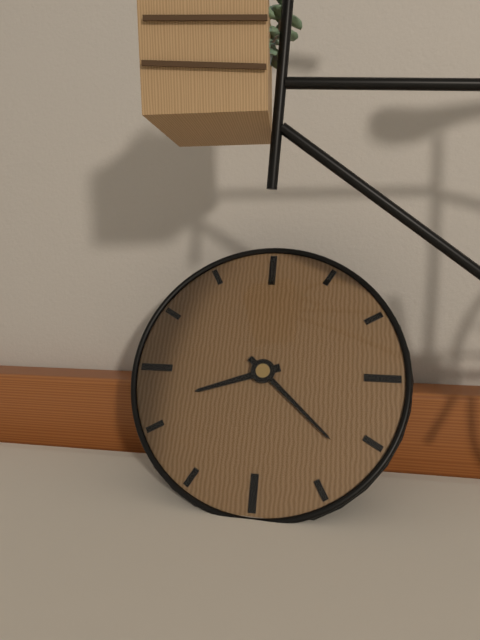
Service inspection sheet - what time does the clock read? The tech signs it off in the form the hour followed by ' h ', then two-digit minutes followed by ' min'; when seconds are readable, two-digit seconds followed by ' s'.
8 h 22 min
